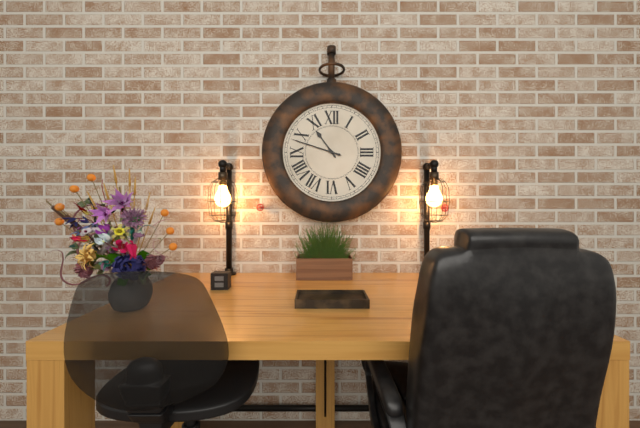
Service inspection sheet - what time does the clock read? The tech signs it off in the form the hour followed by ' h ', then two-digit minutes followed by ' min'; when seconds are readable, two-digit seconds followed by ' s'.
10 h 48 min
